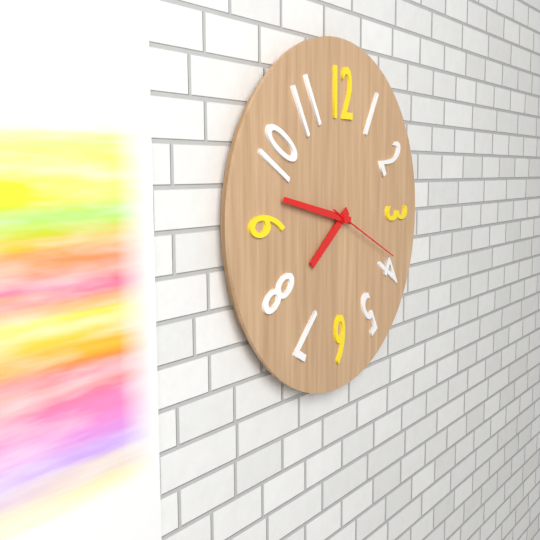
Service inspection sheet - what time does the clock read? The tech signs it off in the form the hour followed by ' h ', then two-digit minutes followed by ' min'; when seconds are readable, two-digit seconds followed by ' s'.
7 h 47 min 19 s
